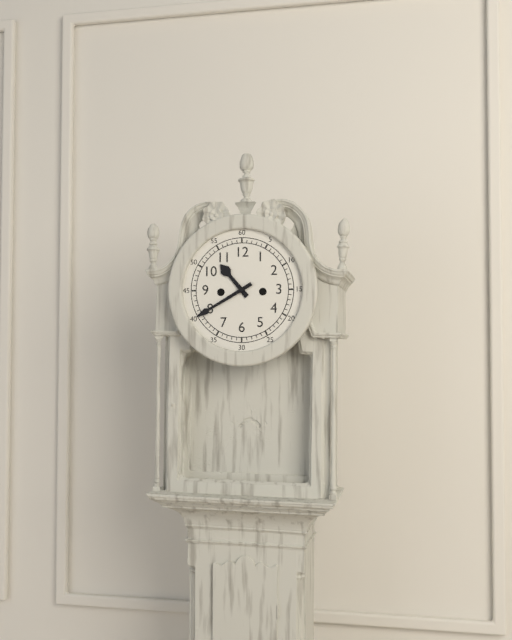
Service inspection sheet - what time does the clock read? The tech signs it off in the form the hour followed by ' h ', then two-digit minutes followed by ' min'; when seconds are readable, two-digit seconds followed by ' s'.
10 h 40 min
